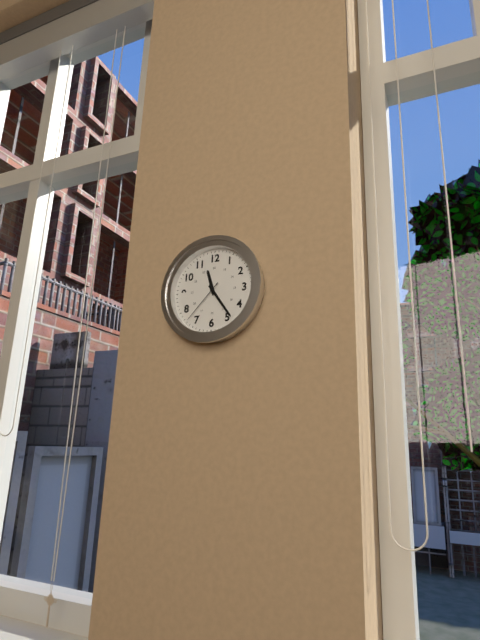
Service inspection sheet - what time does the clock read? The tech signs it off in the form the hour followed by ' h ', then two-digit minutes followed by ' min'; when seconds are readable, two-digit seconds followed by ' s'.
11 h 24 min
